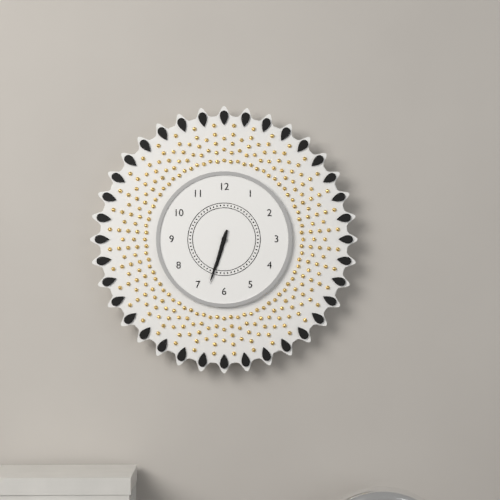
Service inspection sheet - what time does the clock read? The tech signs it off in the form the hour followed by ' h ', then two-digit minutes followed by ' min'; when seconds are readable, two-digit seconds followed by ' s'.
6 h 33 min
